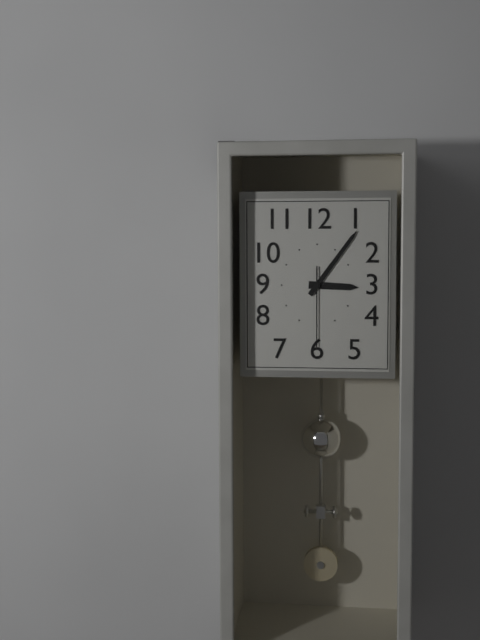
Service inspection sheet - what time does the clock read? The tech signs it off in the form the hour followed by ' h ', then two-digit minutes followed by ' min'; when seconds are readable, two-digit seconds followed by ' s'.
3 h 06 min 30 s
